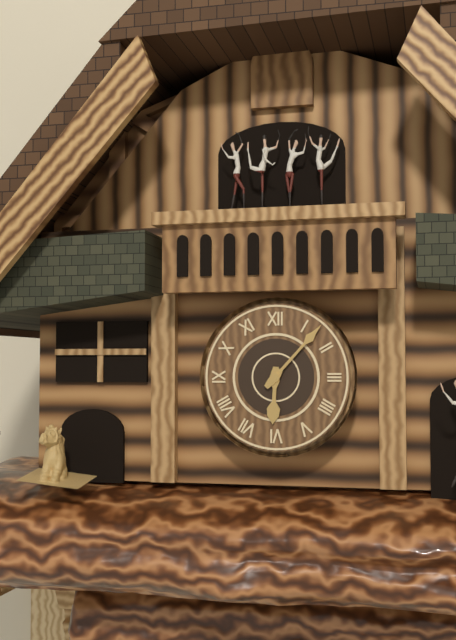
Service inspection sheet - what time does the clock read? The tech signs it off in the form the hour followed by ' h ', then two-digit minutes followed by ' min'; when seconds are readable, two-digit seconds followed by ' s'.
6 h 07 min
